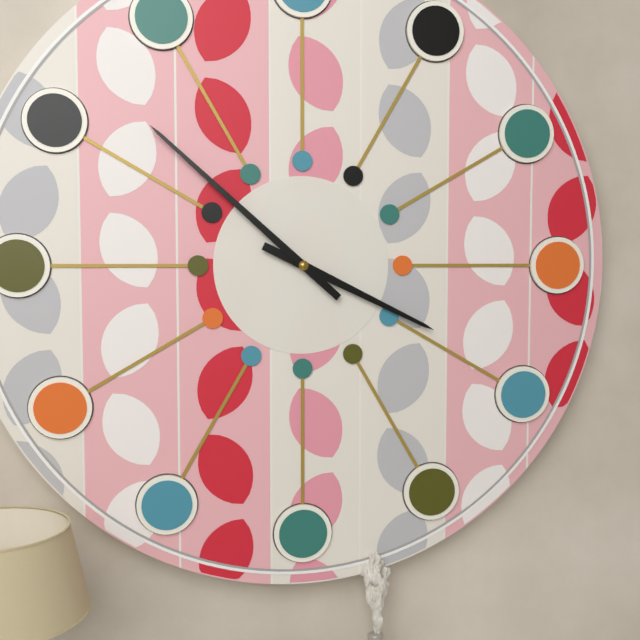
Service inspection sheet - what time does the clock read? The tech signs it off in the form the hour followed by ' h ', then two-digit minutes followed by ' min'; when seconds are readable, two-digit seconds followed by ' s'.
3 h 52 min
